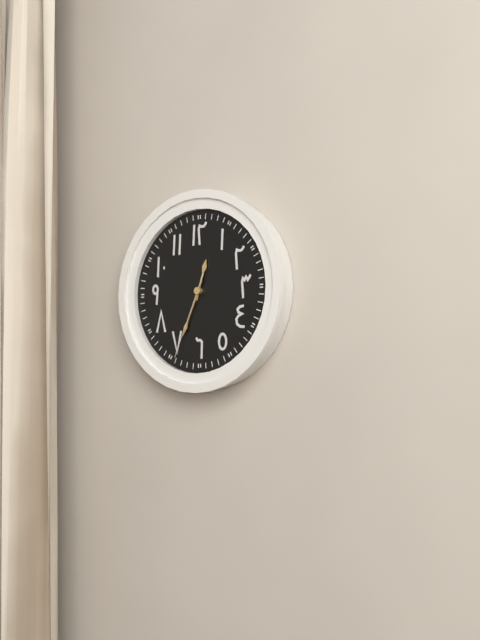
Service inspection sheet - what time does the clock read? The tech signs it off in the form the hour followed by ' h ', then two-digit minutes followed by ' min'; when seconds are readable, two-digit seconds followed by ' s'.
12 h 34 min 34 s
